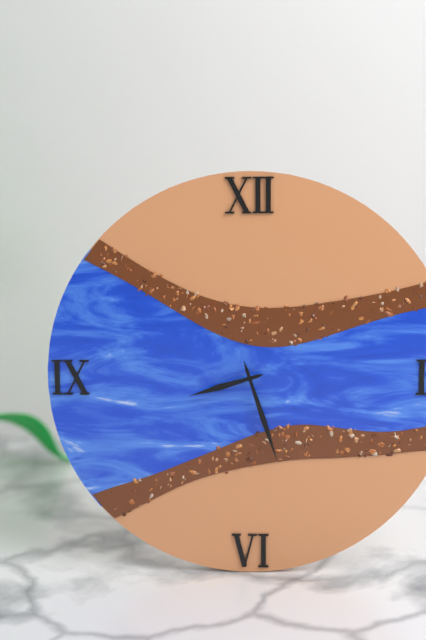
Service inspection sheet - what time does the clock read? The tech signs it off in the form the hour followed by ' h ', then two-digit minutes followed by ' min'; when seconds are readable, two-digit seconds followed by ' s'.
8 h 27 min
